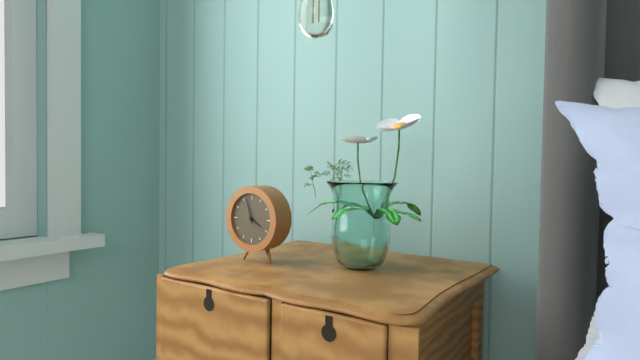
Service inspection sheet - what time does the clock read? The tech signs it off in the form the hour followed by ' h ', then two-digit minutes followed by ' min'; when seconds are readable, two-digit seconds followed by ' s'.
3 h 57 min
